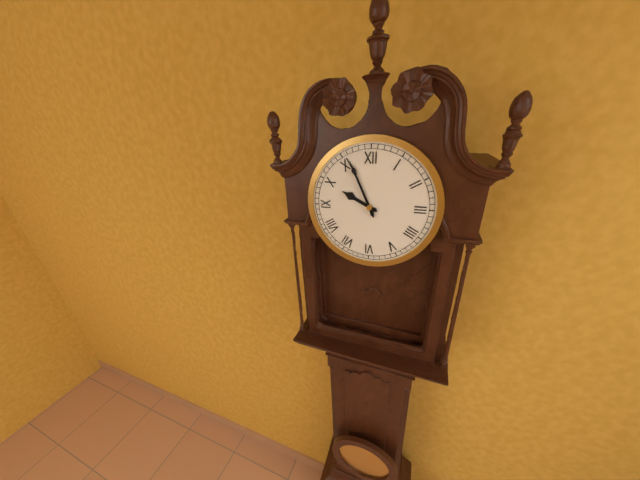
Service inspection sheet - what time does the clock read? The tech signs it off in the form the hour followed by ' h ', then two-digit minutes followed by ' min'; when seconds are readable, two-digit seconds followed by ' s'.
9 h 56 min
